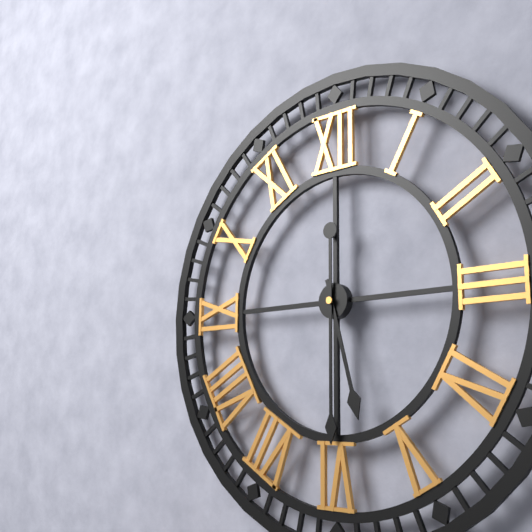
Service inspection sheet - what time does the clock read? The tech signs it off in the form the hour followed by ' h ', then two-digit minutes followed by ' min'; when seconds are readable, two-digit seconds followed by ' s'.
5 h 30 min
